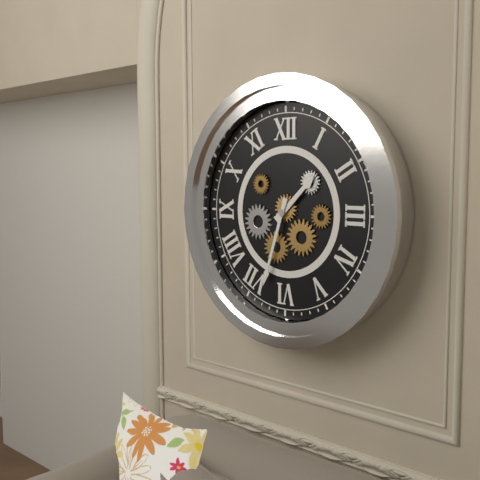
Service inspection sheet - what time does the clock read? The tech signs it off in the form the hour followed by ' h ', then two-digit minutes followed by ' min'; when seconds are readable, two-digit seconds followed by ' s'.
1 h 33 min
